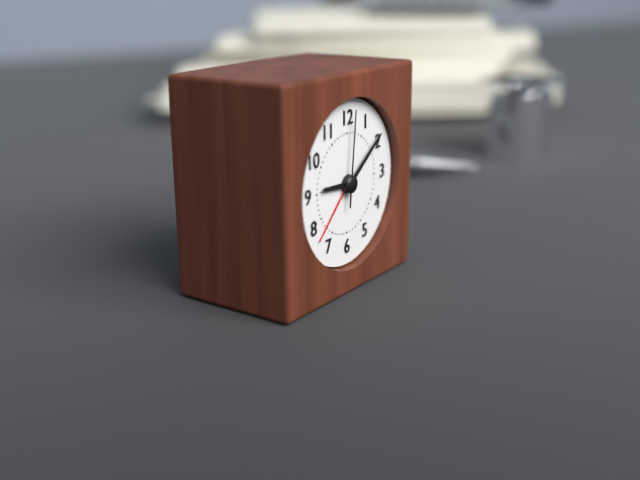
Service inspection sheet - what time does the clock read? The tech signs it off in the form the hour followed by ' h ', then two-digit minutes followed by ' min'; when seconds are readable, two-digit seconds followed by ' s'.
9 h 09 min 01 s
